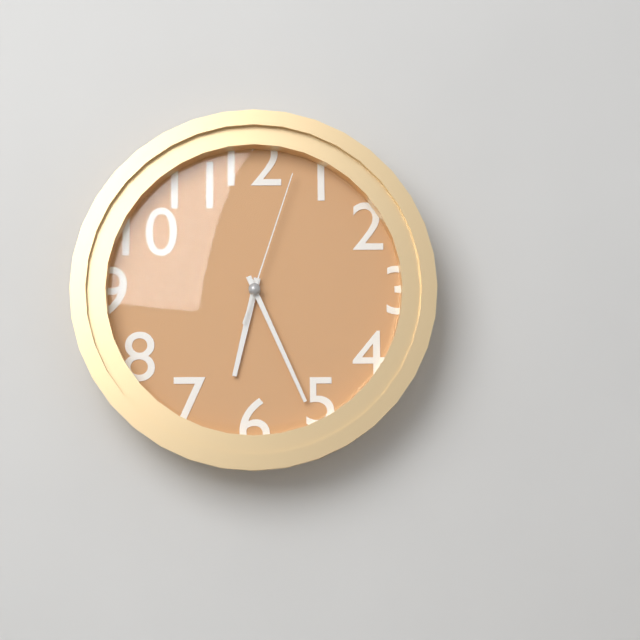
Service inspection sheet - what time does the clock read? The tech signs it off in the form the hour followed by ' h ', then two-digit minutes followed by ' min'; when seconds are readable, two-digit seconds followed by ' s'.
6 h 26 min 03 s
